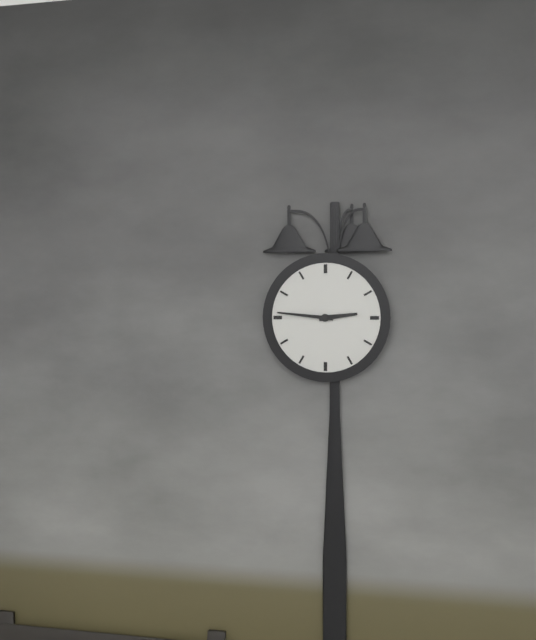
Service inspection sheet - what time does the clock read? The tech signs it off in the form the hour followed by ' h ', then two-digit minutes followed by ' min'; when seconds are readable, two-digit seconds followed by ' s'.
2 h 46 min
